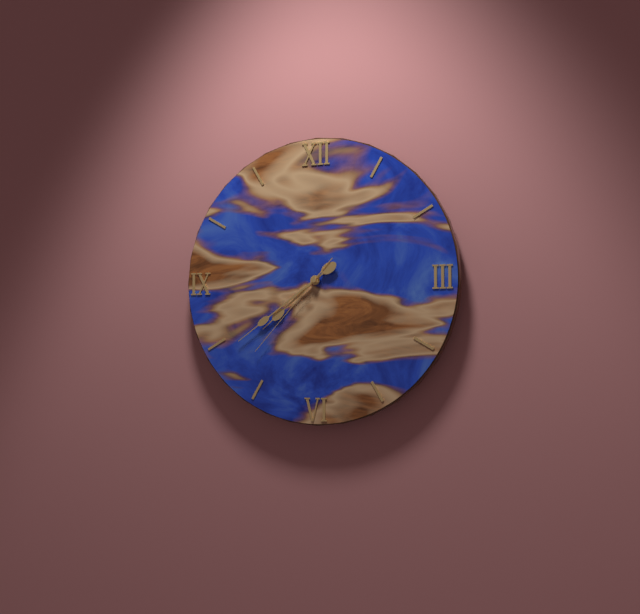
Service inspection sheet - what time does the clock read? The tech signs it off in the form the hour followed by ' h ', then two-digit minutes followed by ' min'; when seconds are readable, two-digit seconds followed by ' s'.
7 h 39 min 37 s
